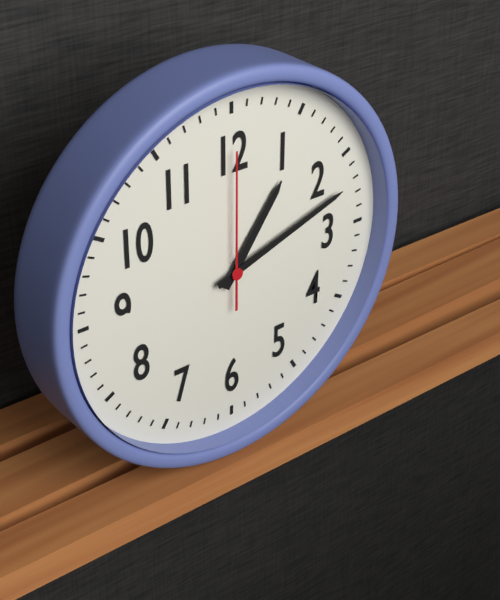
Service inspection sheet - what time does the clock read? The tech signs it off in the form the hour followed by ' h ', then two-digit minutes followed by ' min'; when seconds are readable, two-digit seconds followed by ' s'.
1 h 12 min 00 s
